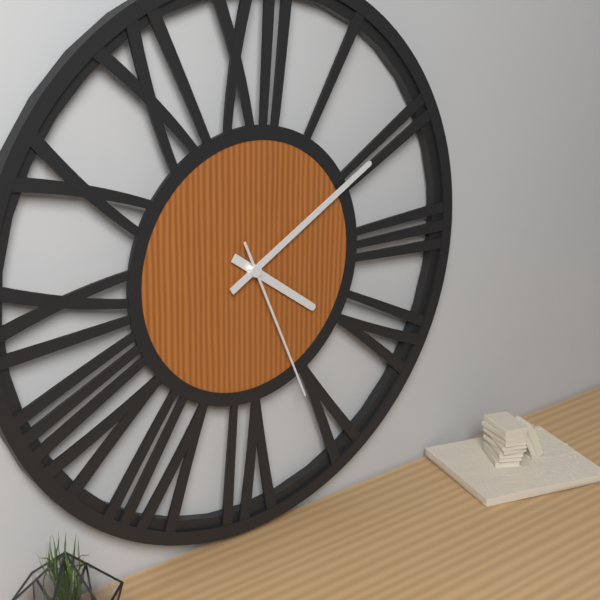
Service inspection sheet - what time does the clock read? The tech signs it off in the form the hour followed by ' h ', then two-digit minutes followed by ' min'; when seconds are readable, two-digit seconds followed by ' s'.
4 h 10 min 26 s
